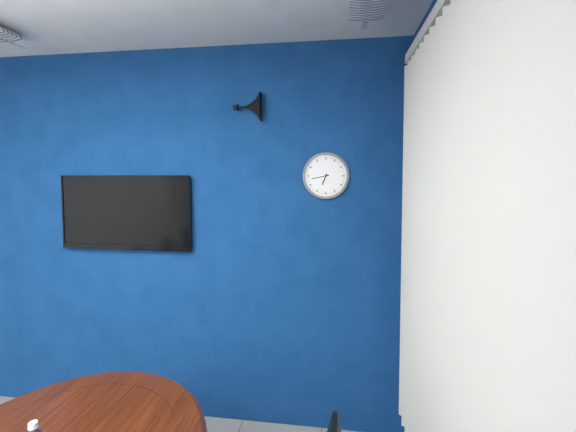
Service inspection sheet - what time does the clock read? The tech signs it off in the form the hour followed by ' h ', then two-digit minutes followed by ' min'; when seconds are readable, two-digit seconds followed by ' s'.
6 h 43 min
